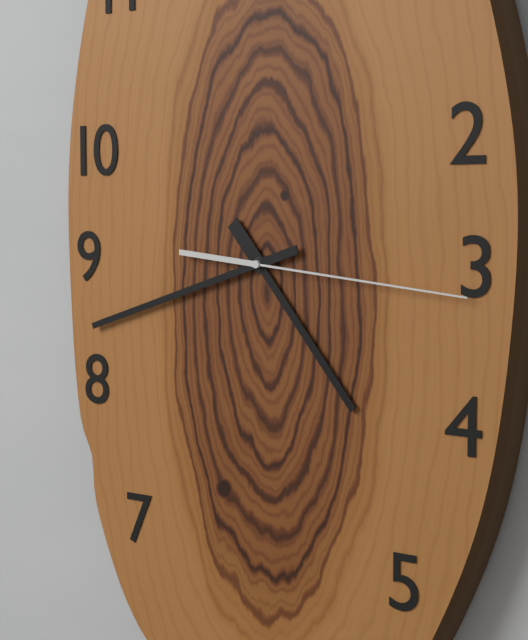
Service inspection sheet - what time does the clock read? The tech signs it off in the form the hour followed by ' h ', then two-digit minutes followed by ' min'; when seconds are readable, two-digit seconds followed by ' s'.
4 h 42 min 16 s
